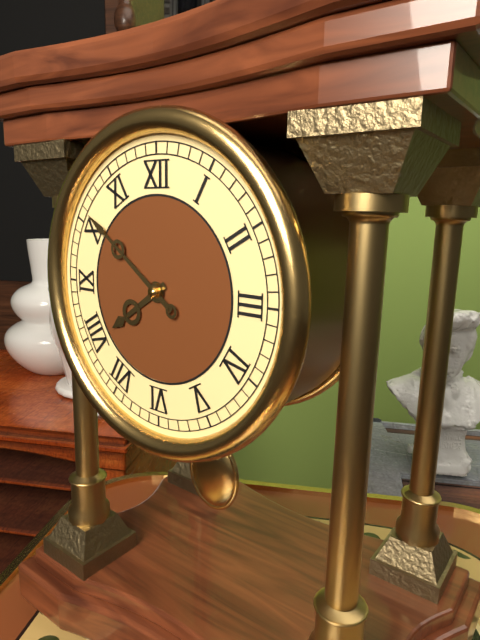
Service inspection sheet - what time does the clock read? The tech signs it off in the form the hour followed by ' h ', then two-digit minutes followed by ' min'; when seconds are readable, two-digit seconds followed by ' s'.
7 h 51 min
